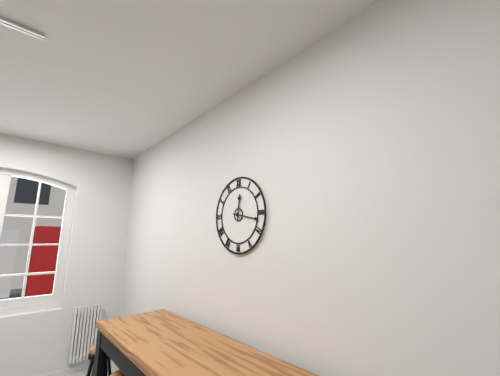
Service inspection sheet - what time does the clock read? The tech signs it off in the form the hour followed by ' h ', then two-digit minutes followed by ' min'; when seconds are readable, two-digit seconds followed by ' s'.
12 h 17 min
